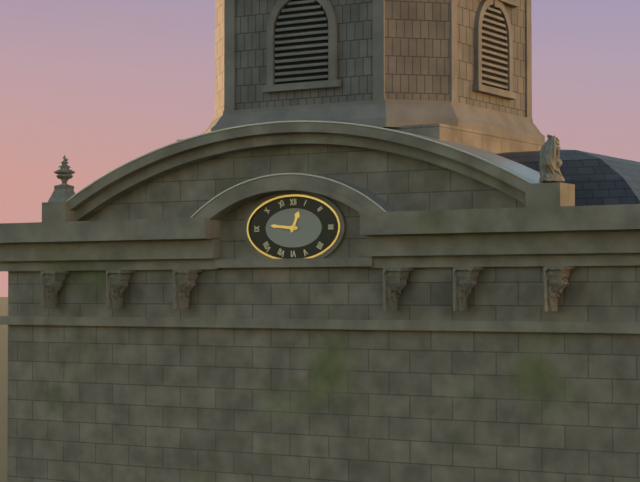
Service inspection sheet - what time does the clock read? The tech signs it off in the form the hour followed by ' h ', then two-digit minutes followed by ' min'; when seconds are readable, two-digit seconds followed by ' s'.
12 h 46 min
